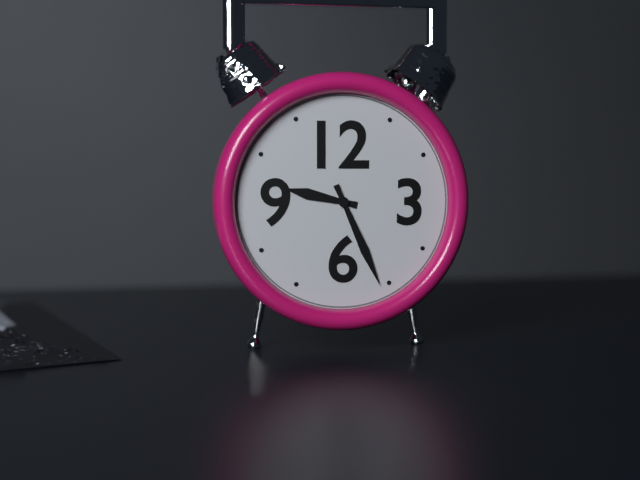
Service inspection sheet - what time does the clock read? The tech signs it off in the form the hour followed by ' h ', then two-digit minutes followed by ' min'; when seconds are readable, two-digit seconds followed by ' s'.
9 h 26 min
